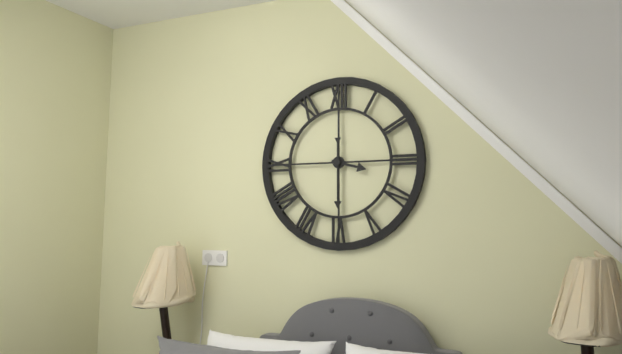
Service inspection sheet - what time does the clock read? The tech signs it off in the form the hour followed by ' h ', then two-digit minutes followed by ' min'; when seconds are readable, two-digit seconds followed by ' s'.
3 h 30 min
